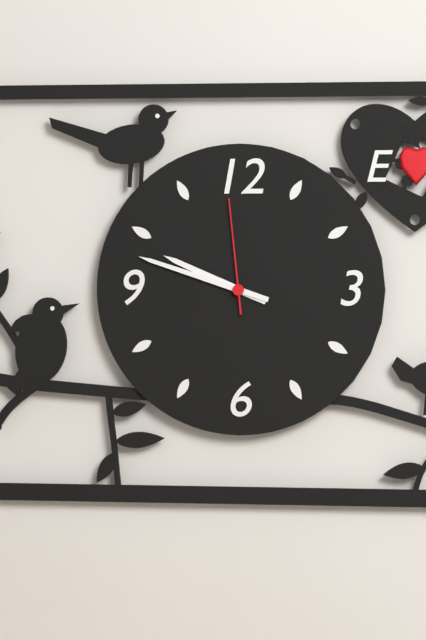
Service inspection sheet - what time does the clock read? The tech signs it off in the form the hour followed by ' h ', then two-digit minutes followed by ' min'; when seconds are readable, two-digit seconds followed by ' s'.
9 h 48 min 59 s
